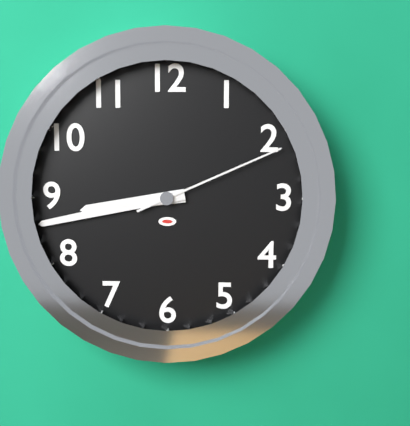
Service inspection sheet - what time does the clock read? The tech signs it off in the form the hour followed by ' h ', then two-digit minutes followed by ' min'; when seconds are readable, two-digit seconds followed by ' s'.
8 h 43 min 11 s
